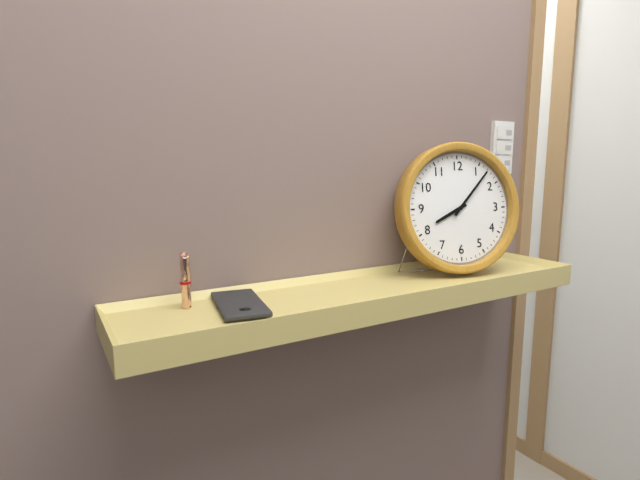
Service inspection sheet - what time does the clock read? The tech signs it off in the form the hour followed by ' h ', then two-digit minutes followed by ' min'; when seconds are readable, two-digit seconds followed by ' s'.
8 h 07 min
